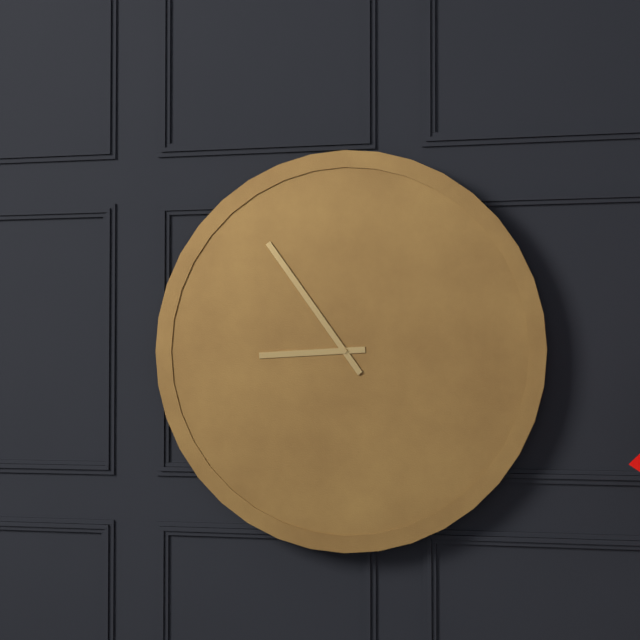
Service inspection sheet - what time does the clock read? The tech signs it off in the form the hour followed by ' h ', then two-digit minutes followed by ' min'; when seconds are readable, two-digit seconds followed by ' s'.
8 h 54 min
